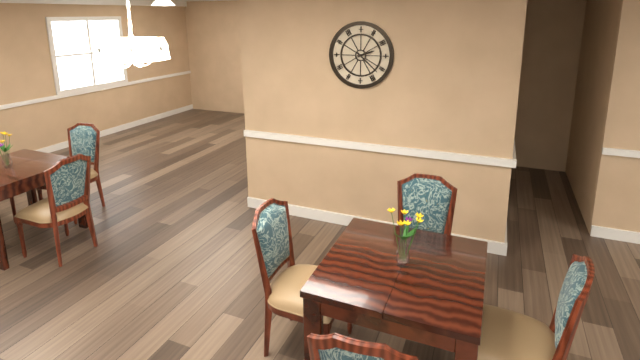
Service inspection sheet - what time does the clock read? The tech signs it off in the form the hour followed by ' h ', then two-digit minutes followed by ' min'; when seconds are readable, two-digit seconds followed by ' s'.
2 h 22 min
